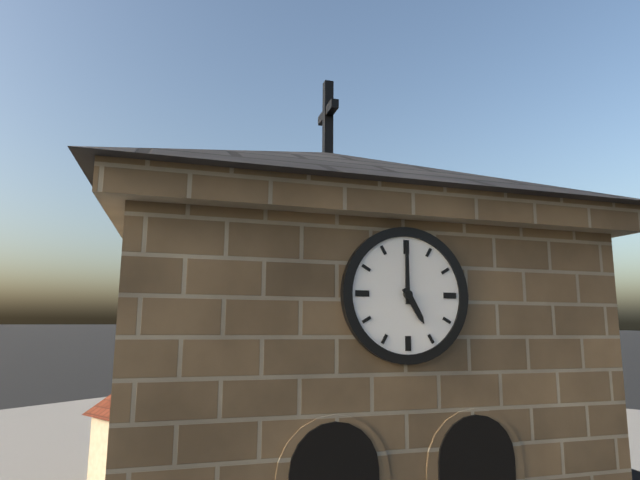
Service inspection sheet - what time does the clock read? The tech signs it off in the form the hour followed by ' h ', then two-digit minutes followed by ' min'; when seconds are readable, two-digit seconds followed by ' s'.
5 h 00 min
